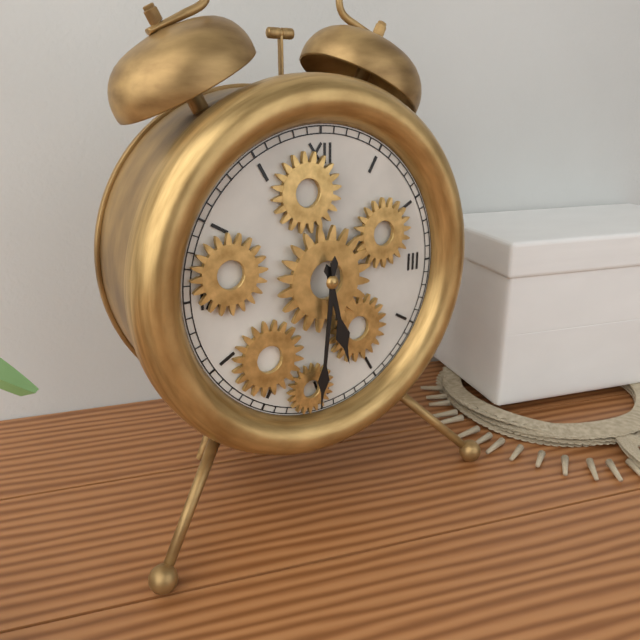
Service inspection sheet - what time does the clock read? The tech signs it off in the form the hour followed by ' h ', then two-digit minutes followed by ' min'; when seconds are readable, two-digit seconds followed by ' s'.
5 h 31 min
